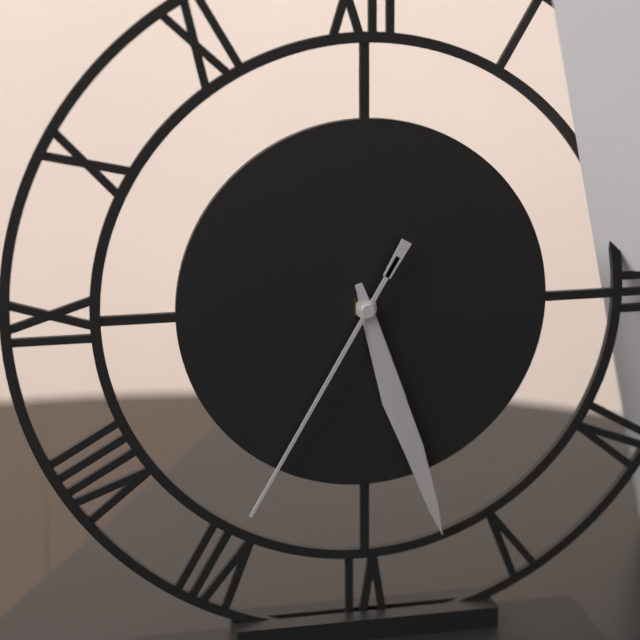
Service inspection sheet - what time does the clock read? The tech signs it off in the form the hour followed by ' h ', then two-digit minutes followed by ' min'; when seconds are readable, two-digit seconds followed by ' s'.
5 h 27 min 35 s
